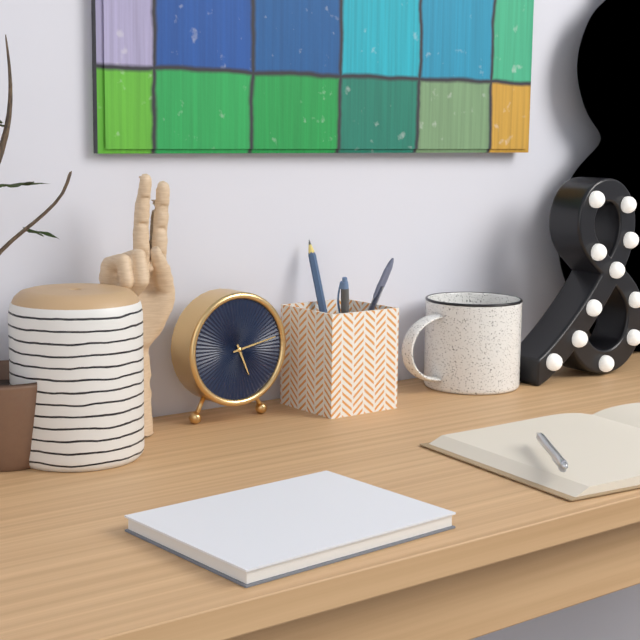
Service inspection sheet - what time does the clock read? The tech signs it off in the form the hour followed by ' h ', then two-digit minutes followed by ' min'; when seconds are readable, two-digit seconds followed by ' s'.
5 h 13 min
